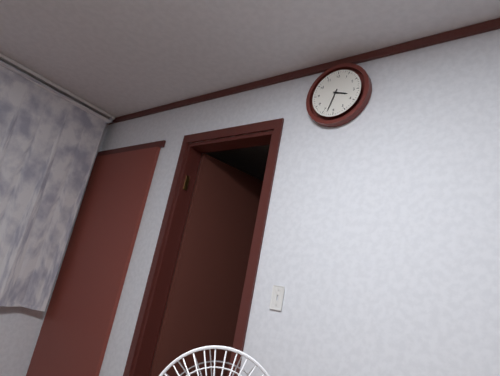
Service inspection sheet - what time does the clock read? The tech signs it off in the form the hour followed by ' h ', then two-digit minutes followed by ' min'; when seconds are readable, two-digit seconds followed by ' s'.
3 h 33 min
